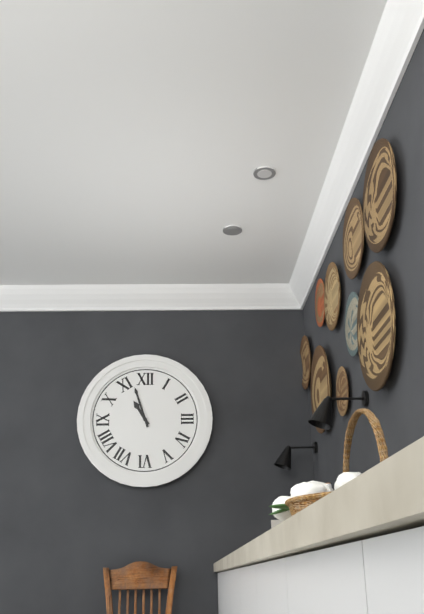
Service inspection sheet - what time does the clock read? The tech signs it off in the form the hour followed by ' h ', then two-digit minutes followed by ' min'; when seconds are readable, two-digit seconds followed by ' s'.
10 h 57 min
